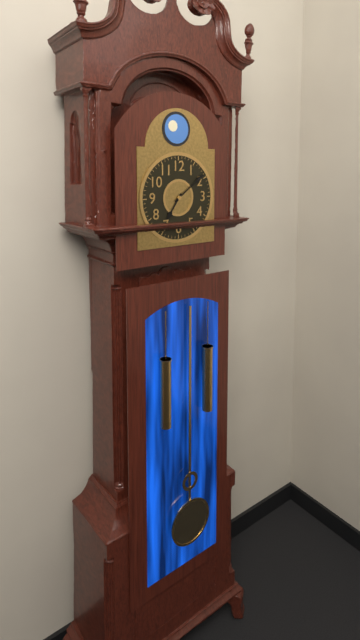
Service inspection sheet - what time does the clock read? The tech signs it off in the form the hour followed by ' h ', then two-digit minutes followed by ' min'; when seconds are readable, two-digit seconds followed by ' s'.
7 h 09 min
